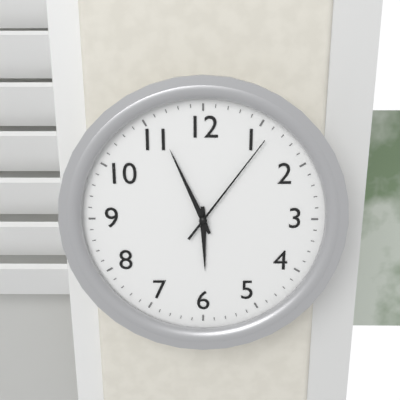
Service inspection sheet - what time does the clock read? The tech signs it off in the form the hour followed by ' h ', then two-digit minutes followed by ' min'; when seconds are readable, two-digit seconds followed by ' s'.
5 h 56 min 06 s
